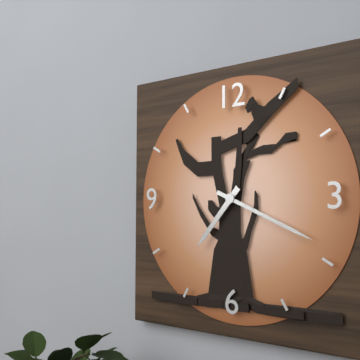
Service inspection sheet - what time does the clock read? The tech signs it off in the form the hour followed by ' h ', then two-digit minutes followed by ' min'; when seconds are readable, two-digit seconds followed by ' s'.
7 h 19 min
